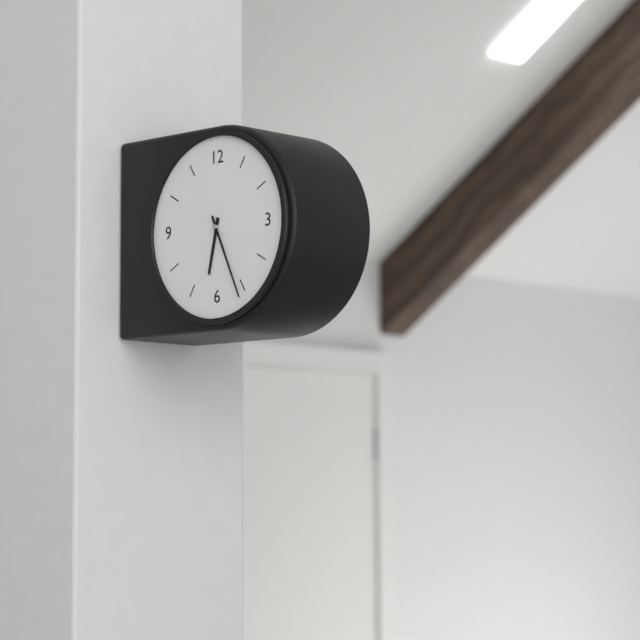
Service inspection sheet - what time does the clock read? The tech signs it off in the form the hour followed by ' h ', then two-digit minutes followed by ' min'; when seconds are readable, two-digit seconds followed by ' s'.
6 h 26 min
